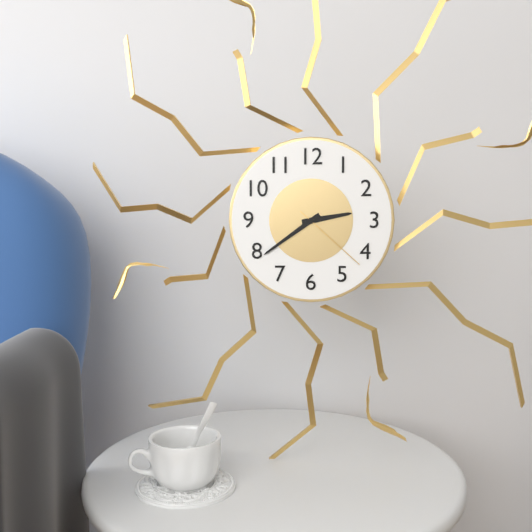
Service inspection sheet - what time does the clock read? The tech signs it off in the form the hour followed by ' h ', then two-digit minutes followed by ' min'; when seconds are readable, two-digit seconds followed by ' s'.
2 h 39 min 22 s
